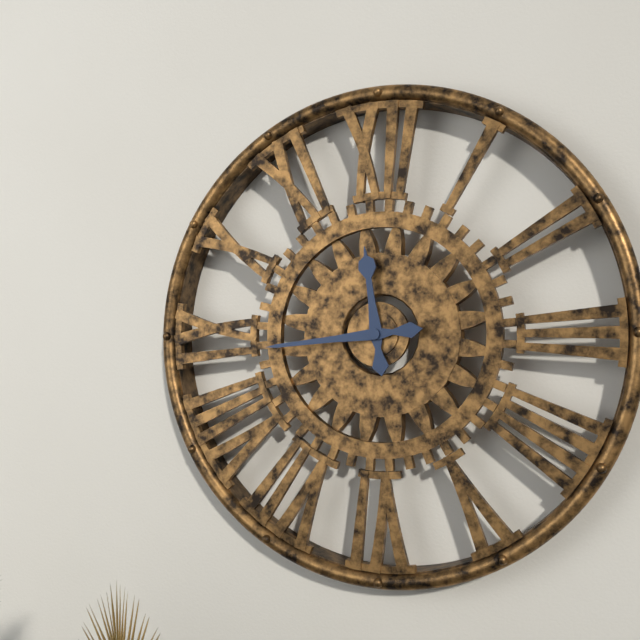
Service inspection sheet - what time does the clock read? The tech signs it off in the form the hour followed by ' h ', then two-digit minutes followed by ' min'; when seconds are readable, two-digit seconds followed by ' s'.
11 h 44 min
